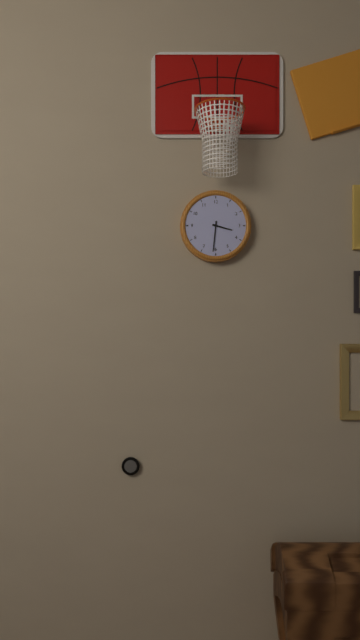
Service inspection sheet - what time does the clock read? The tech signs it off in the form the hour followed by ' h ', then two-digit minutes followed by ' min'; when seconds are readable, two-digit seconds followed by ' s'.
3 h 31 min
